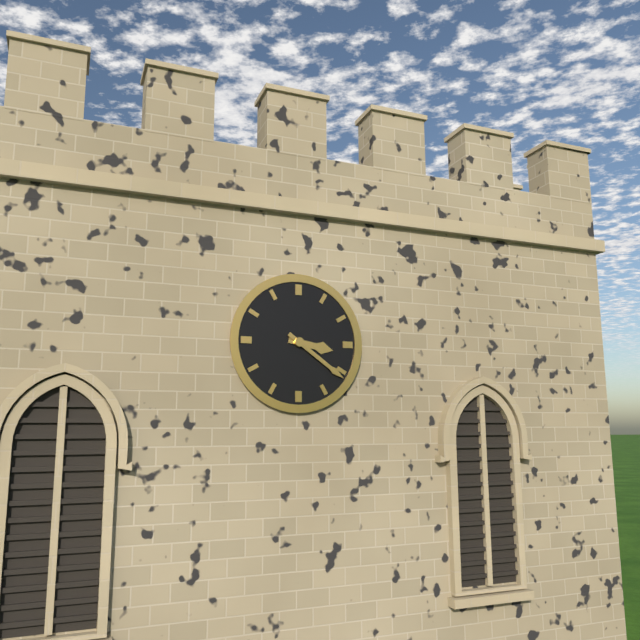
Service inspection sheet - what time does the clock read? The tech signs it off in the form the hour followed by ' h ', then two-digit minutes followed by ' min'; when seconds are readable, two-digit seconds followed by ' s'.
3 h 21 min
